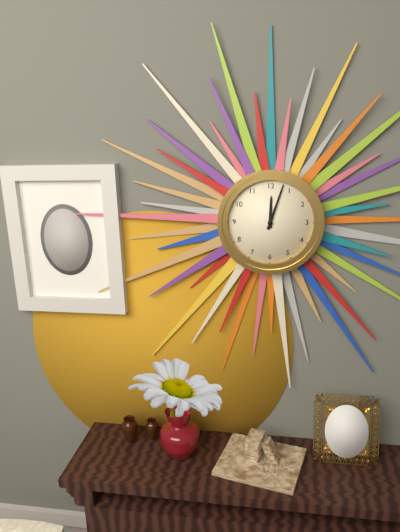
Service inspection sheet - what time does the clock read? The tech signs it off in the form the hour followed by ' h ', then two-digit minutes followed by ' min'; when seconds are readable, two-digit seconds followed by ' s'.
12 h 03 min
